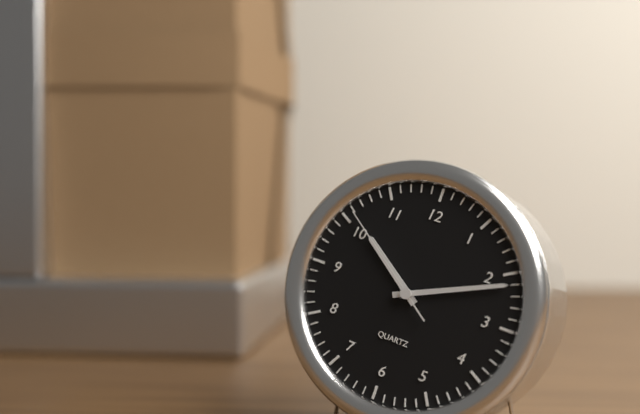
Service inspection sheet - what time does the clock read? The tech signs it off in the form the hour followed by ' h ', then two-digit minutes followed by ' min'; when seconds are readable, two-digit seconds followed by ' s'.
10 h 11 min 51 s
